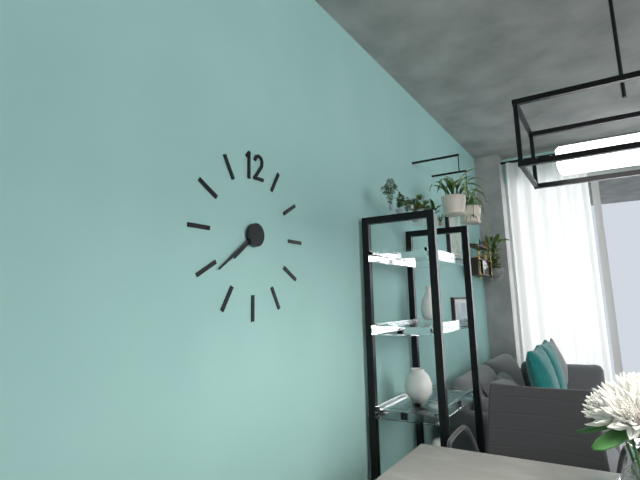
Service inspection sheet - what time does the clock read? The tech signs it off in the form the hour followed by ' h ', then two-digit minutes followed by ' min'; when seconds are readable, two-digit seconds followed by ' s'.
7 h 39 min
